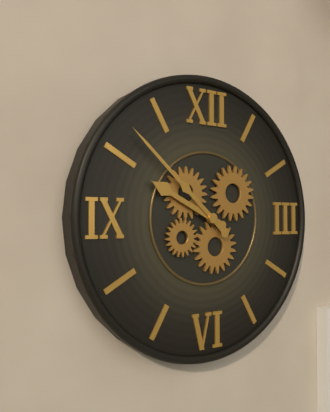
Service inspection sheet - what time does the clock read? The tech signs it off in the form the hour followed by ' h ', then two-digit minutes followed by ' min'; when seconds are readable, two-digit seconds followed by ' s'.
9 h 52 min
